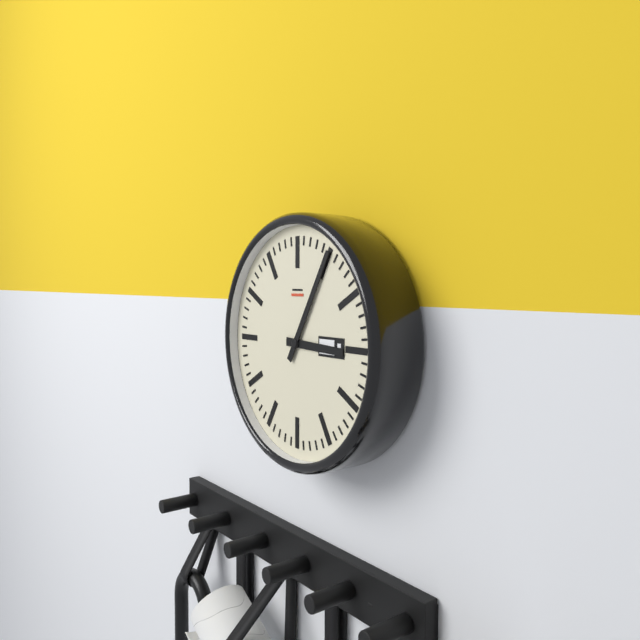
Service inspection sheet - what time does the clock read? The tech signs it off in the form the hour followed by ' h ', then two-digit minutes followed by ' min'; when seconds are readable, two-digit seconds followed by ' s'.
3 h 05 min
